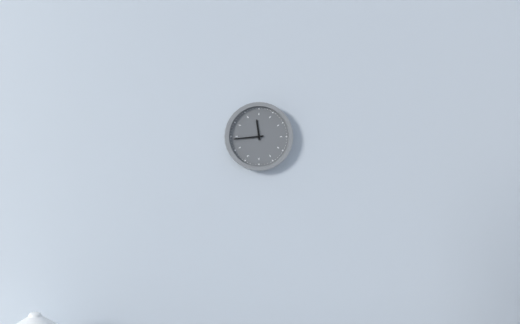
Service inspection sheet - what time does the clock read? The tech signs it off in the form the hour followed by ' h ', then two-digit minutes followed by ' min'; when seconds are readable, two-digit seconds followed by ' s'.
11 h 44 min
